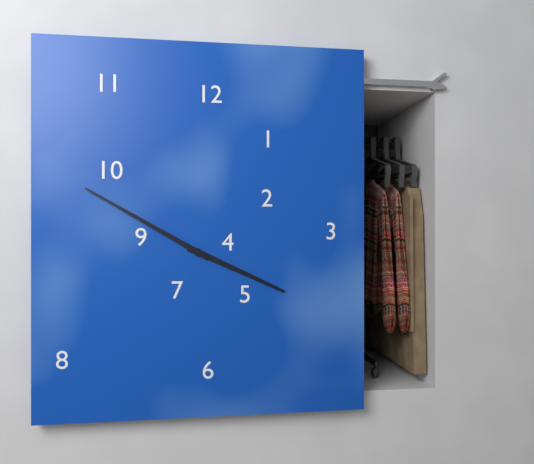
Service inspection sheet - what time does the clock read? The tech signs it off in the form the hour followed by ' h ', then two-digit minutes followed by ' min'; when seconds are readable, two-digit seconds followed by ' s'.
3 h 50 min
